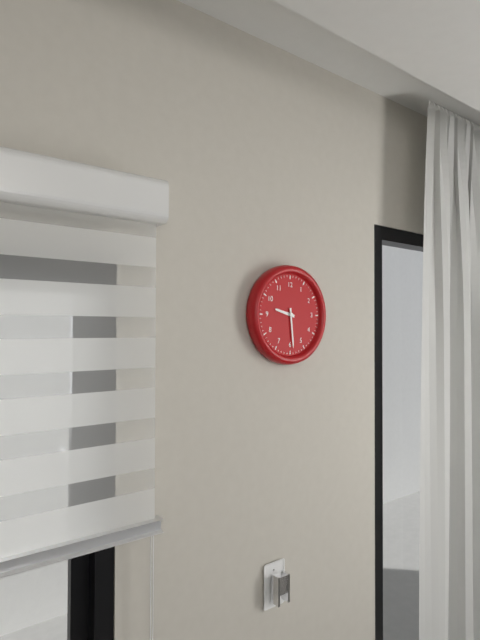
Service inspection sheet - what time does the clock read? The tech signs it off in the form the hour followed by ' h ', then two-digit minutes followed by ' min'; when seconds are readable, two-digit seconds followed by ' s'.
9 h 29 min
